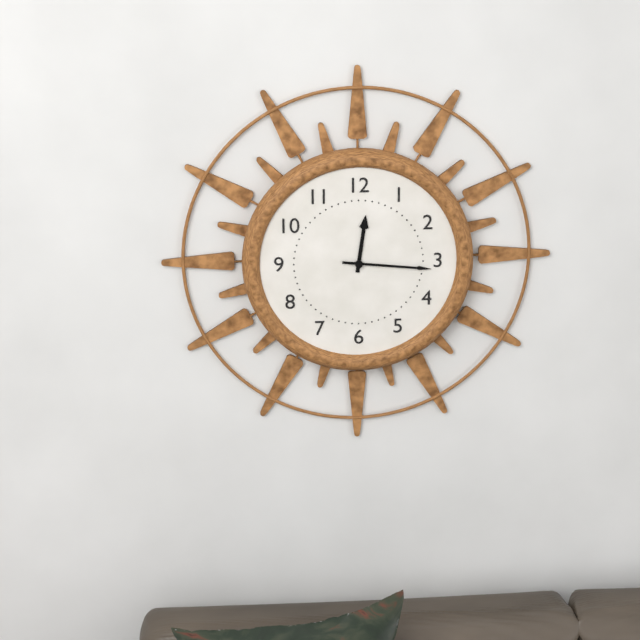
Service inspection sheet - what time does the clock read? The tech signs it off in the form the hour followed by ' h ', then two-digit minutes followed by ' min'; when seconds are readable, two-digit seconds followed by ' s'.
12 h 16 min
